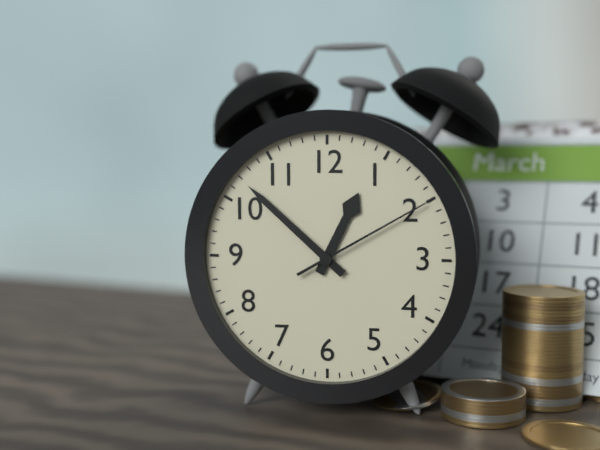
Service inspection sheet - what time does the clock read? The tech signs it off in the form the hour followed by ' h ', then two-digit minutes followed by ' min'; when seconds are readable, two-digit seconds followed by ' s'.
12 h 52 min 10 s
